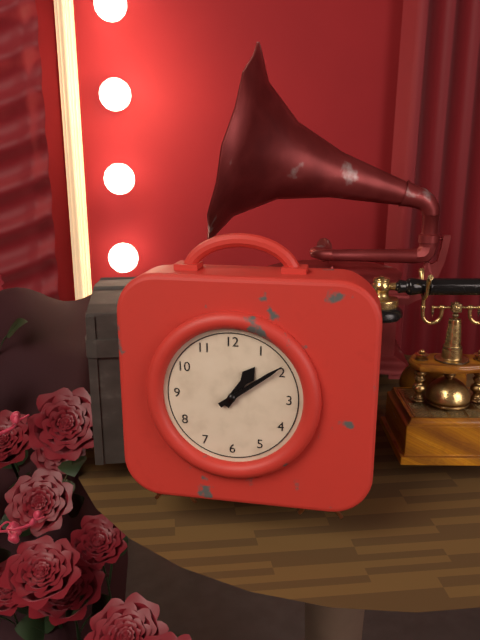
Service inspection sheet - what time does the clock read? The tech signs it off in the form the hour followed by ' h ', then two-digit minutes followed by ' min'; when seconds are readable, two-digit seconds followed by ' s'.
1 h 09 min
